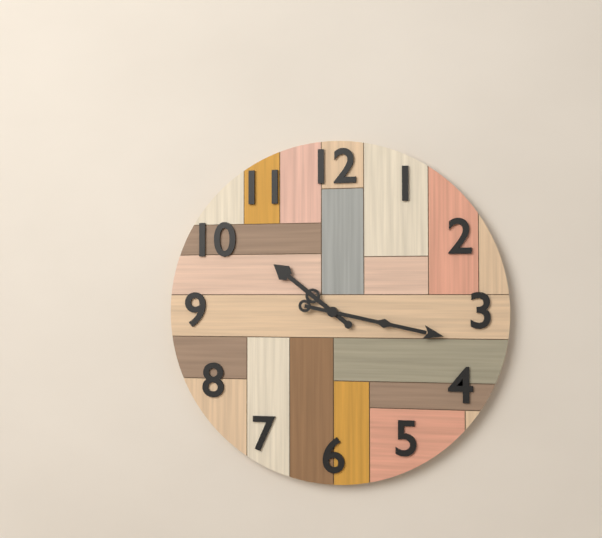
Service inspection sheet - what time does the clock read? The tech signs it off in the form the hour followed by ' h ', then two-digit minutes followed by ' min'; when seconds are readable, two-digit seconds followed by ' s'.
10 h 17 min
